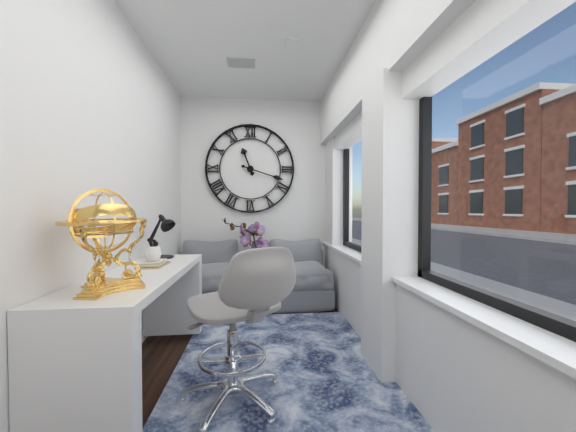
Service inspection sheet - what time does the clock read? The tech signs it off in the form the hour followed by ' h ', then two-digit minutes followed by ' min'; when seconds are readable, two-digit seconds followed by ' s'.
11 h 18 min
